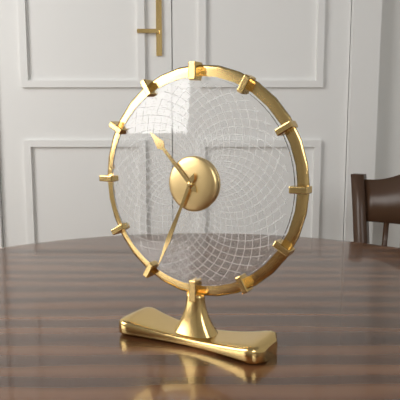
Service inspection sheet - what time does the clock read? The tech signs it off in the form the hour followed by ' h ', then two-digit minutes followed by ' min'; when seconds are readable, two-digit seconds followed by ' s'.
10 h 34 min
